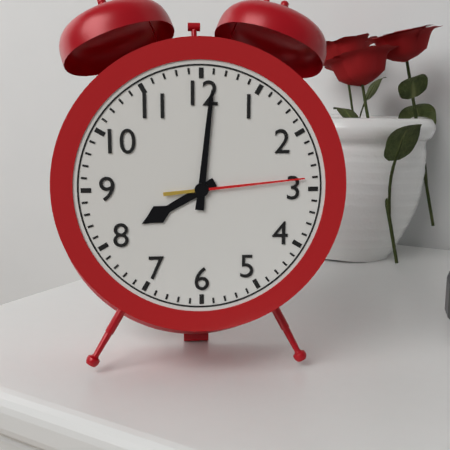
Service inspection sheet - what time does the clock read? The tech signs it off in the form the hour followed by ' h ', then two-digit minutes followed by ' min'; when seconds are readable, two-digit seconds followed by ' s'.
8 h 01 min 14 s
